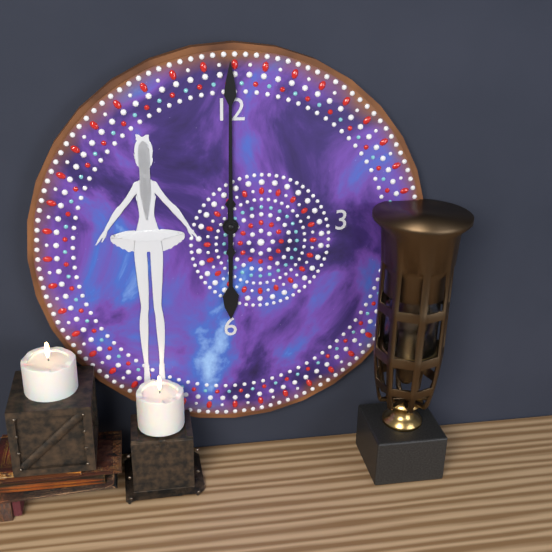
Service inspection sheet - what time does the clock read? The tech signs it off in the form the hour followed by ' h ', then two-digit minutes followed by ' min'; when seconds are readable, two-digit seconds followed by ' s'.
6 h 00 min
